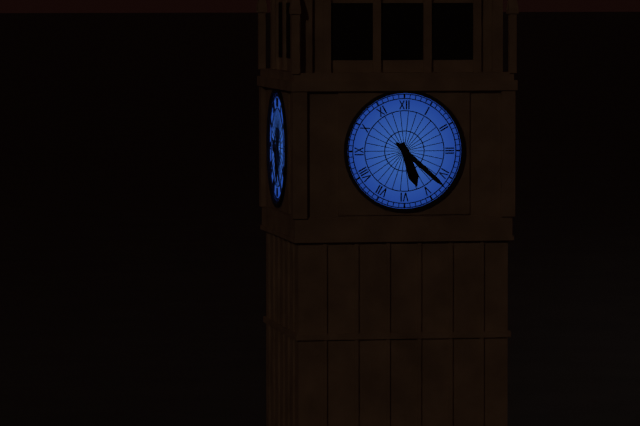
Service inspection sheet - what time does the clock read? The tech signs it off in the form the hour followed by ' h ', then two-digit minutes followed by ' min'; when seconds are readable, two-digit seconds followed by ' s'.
5 h 22 min
